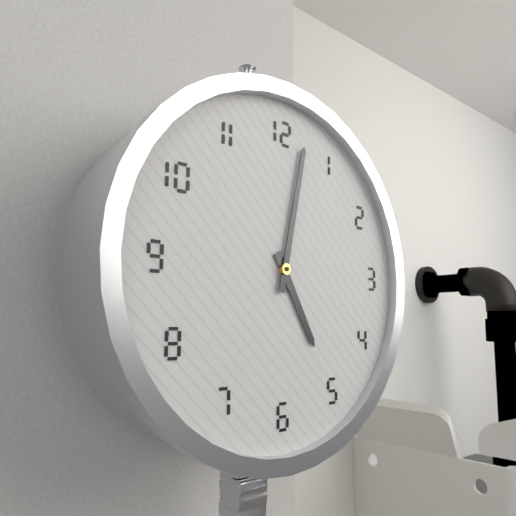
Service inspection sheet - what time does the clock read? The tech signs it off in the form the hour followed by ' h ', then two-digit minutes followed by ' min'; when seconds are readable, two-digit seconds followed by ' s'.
5 h 02 min
